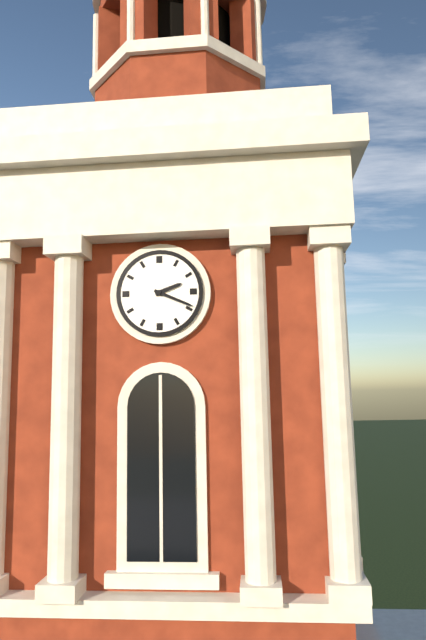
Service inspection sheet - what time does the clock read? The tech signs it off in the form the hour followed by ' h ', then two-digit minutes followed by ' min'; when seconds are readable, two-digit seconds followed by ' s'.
2 h 19 min
